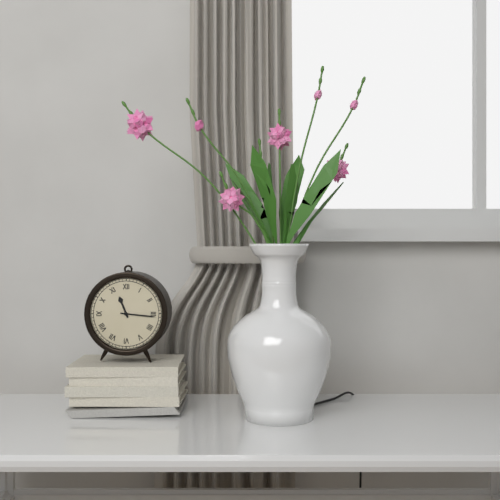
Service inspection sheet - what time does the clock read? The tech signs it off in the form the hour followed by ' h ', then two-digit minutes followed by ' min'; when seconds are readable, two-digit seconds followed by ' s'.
11 h 16 min
